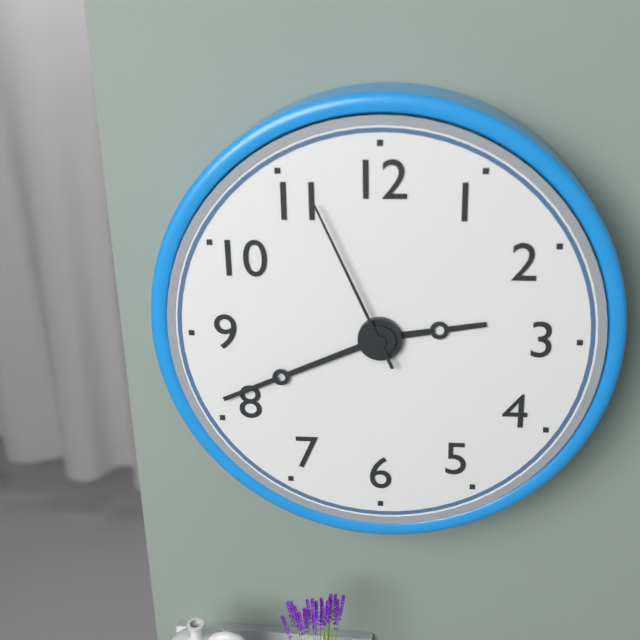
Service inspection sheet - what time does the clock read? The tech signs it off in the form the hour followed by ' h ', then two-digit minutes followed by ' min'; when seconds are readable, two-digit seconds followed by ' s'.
2 h 41 min 56 s
